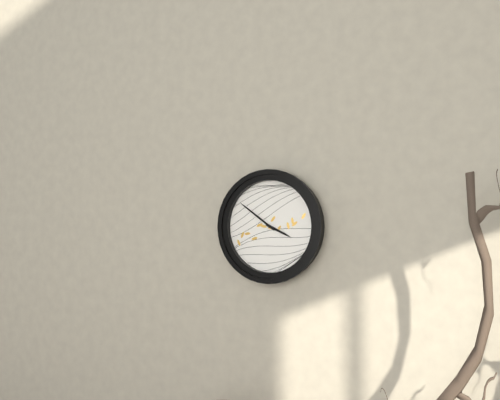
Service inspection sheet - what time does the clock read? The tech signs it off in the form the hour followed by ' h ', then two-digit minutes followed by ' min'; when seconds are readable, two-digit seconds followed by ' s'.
3 h 51 min
